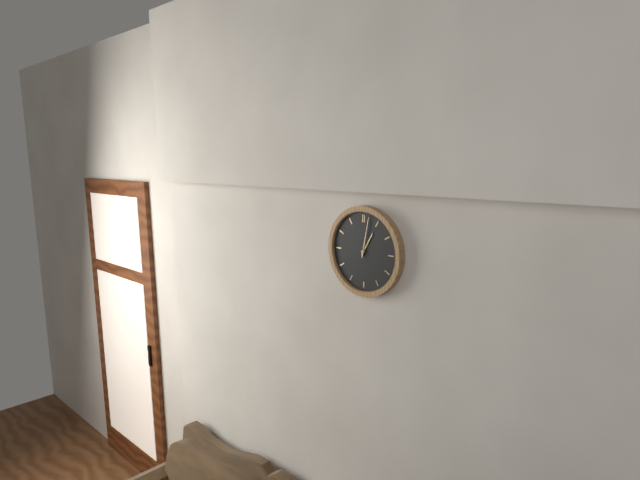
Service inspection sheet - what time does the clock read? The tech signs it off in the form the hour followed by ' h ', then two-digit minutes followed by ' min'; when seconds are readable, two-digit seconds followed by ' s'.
1 h 02 min
